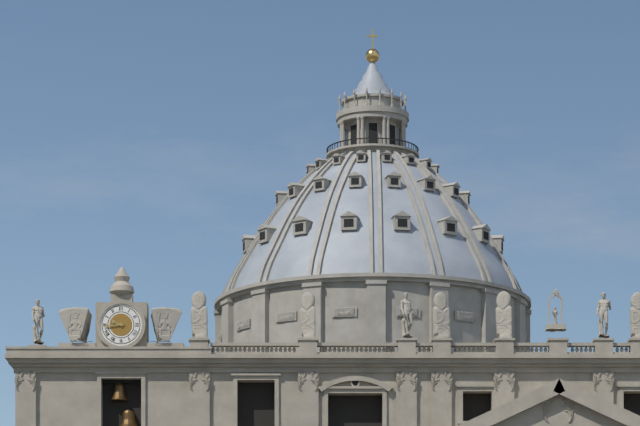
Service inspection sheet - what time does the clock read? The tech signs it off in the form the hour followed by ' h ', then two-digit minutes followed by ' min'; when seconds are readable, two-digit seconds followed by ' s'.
9 h 44 min
